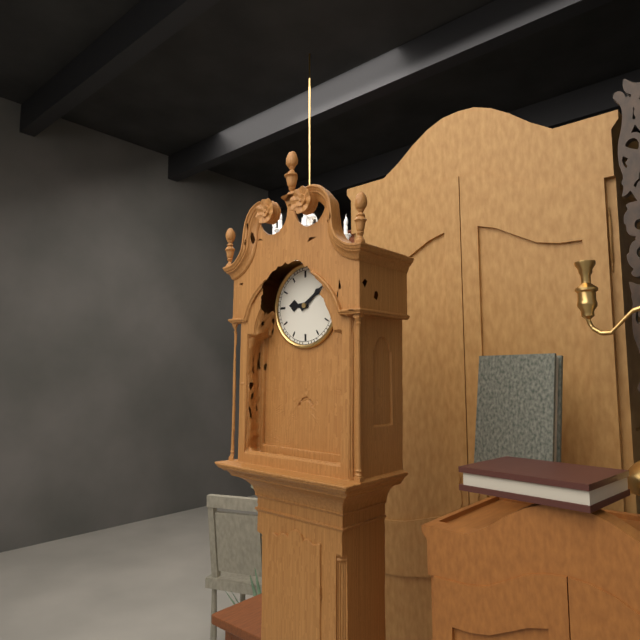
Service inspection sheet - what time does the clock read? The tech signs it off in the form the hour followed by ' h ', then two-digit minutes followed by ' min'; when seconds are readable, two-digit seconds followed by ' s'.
9 h 09 min
